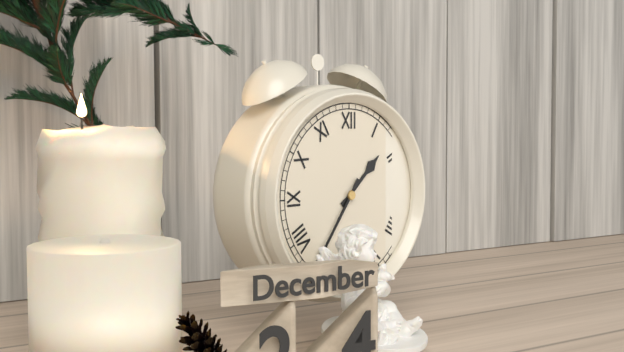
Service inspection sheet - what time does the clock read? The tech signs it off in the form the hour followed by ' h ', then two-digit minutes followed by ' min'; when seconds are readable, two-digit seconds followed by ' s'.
1 h 36 min
